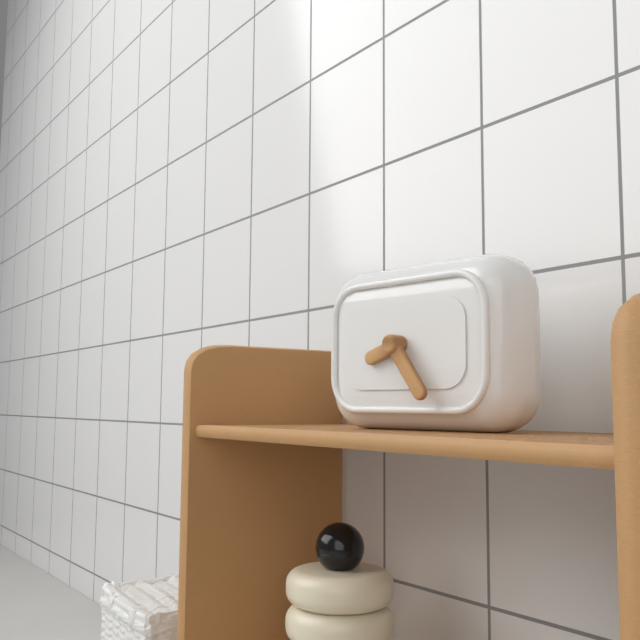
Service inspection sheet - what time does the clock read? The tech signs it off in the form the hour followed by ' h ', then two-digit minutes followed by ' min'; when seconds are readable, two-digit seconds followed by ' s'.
8 h 24 min
